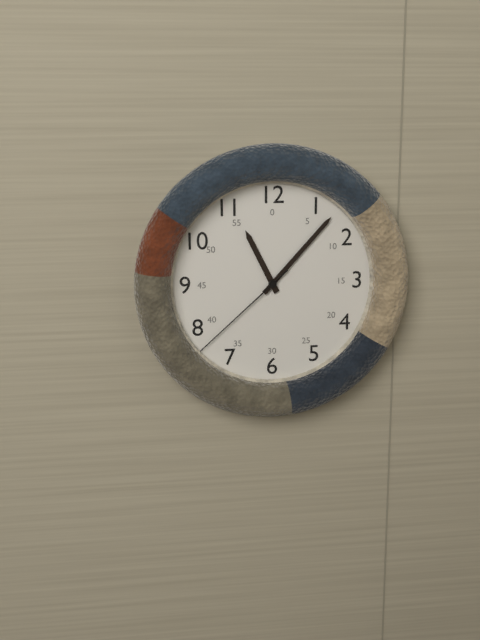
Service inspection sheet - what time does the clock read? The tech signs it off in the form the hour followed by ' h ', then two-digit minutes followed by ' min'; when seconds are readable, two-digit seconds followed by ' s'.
11 h 07 min 38 s
